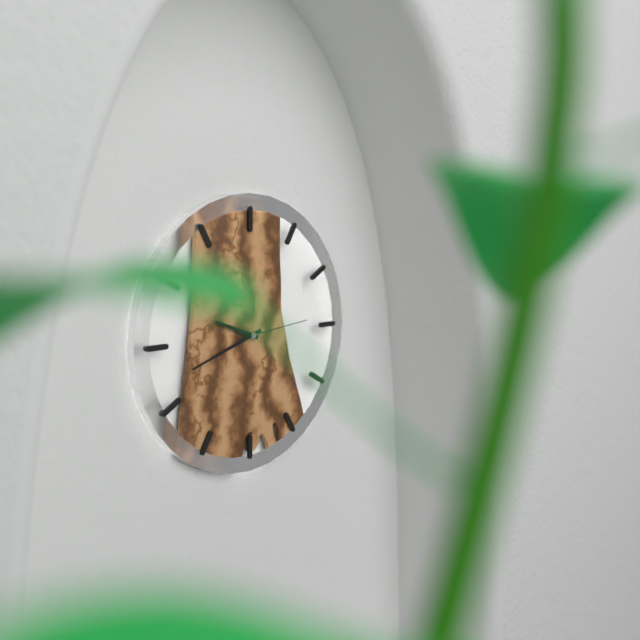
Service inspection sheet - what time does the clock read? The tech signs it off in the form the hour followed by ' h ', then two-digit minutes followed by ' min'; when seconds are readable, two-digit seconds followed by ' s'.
9 h 42 min 14 s
